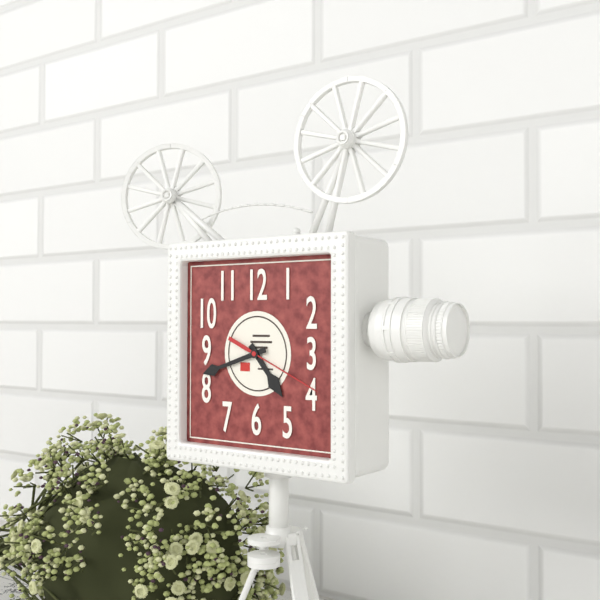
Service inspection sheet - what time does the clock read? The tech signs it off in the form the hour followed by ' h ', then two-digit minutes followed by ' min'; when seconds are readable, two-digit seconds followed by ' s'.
4 h 42 min 19 s
